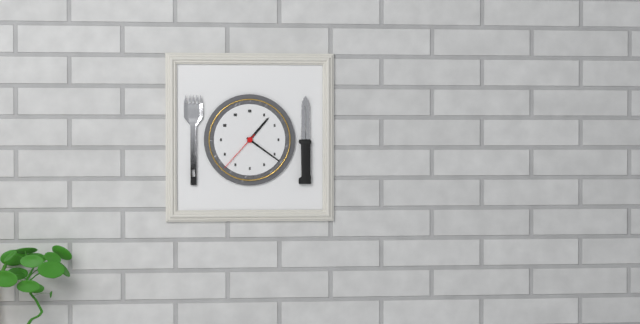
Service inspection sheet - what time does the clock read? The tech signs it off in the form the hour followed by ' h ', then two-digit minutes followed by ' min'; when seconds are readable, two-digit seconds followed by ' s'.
1 h 21 min
